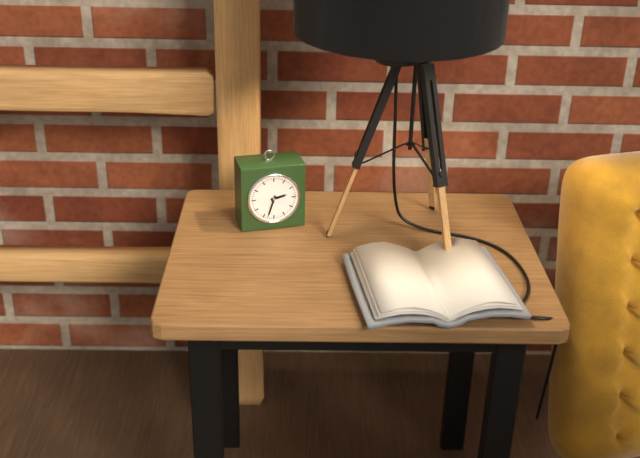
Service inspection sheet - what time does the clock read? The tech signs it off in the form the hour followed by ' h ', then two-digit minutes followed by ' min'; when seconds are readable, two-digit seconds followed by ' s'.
2 h 33 min
